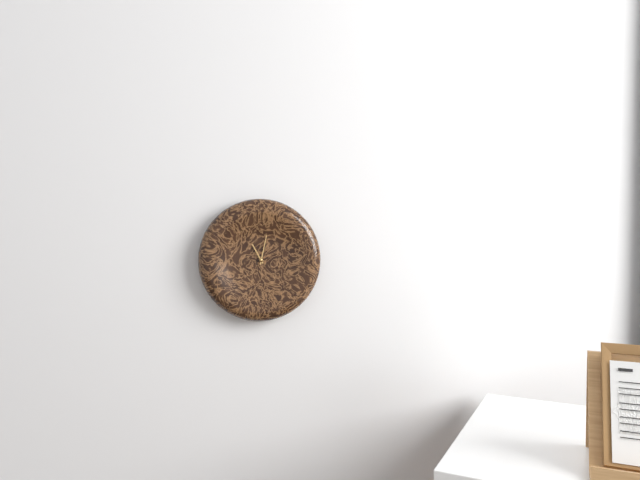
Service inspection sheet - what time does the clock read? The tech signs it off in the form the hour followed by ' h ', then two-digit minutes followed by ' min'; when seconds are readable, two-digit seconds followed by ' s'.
11 h 02 min
